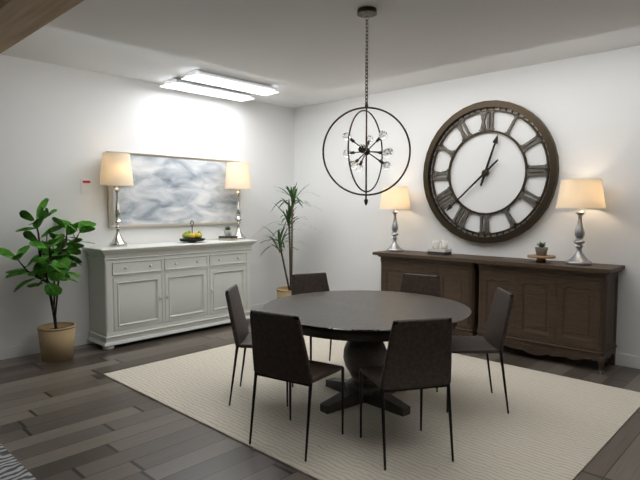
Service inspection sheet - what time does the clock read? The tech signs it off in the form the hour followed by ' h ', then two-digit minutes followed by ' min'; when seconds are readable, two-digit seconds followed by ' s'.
12 h 38 min
